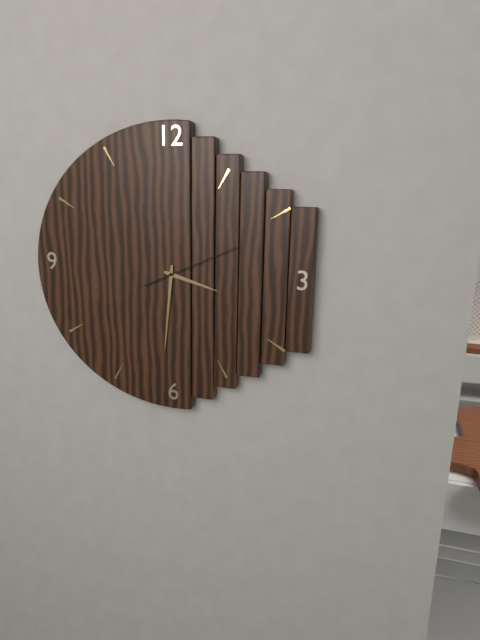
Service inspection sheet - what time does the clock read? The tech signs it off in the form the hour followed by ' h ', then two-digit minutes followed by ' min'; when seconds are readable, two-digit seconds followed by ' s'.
3 h 31 min 11 s
